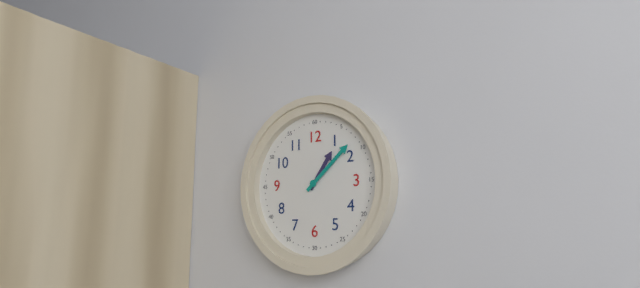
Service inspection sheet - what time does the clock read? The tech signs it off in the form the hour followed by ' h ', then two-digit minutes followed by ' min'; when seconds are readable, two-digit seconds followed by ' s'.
1 h 08 min
